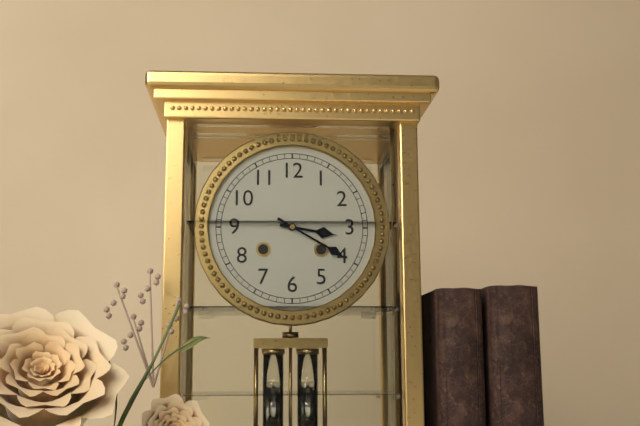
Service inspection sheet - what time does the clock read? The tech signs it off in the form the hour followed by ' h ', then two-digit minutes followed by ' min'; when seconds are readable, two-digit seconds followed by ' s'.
3 h 20 min
